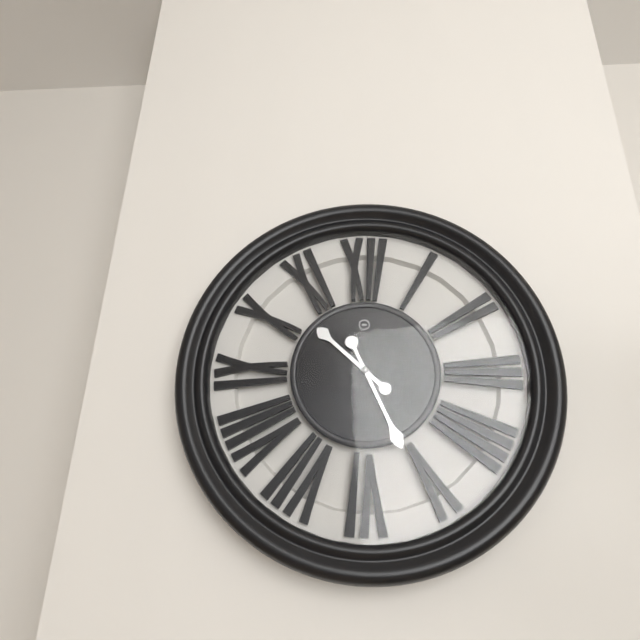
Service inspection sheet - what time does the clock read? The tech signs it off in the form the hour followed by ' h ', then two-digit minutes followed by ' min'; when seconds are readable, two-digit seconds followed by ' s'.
10 h 26 min
